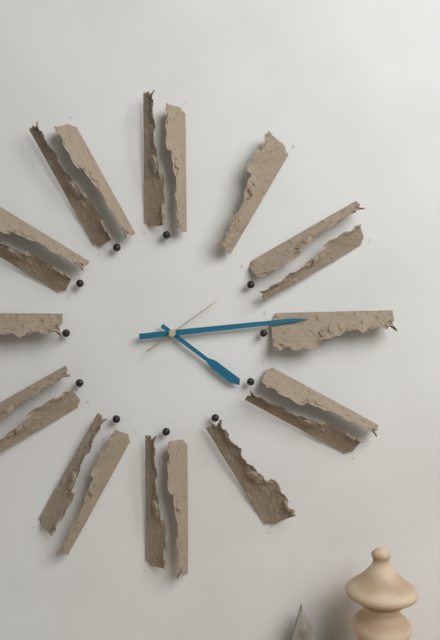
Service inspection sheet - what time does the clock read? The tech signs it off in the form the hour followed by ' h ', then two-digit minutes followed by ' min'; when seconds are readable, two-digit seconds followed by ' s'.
4 h 14 min 09 s
